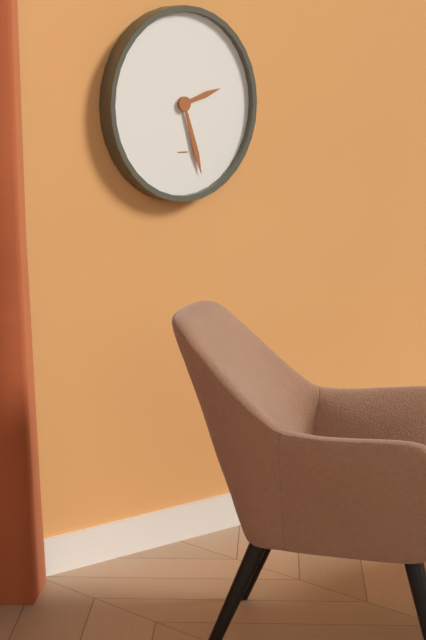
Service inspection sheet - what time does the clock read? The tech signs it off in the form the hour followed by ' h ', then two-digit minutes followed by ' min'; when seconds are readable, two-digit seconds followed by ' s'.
2 h 27 min
